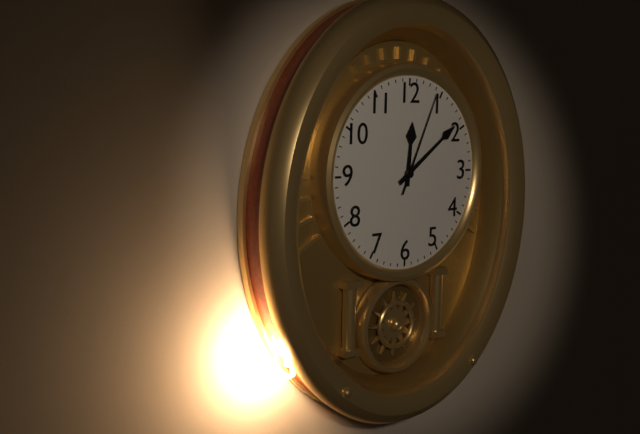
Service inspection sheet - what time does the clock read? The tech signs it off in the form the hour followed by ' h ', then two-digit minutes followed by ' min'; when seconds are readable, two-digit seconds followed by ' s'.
12 h 09 min 04 s
